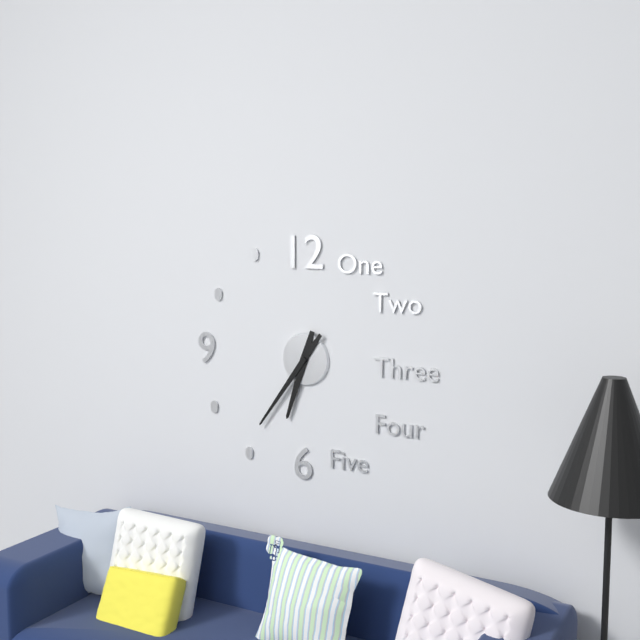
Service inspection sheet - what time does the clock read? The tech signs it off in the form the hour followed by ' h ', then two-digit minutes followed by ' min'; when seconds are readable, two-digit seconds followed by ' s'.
6 h 36 min
